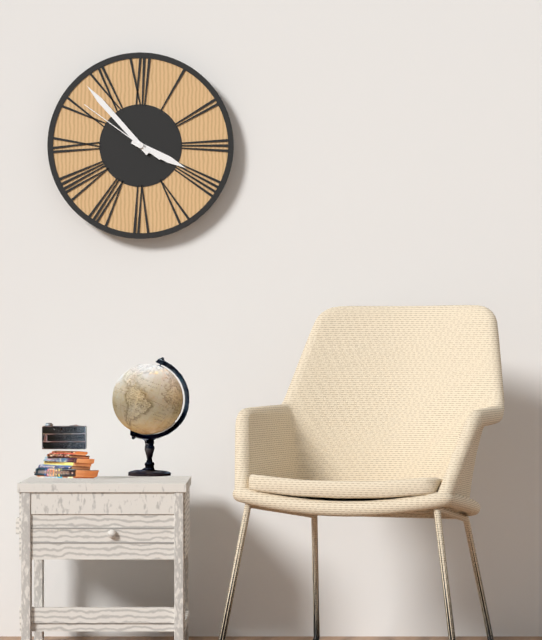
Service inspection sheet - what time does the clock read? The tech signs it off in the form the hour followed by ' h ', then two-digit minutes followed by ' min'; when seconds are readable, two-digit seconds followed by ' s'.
3 h 53 min 51 s
